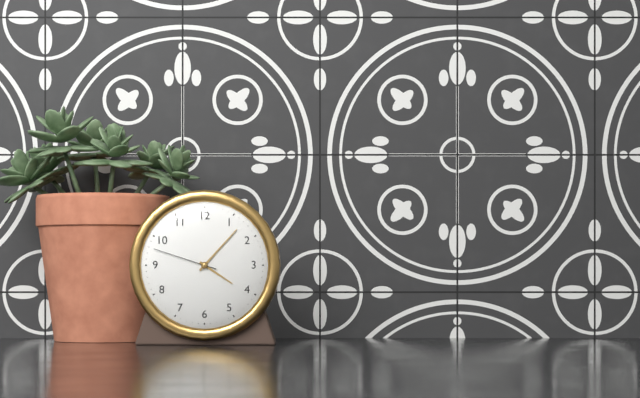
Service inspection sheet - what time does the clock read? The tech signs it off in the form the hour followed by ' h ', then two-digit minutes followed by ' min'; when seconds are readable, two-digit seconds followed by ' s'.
4 h 07 min 48 s
